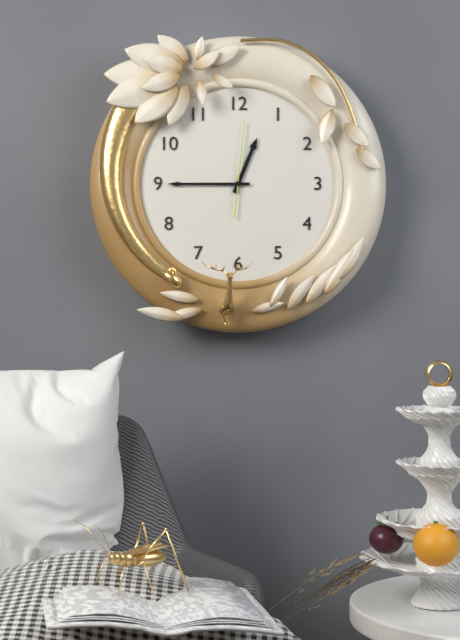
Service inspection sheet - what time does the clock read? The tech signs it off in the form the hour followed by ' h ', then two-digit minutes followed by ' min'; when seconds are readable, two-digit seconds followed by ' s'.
12 h 45 min 01 s
